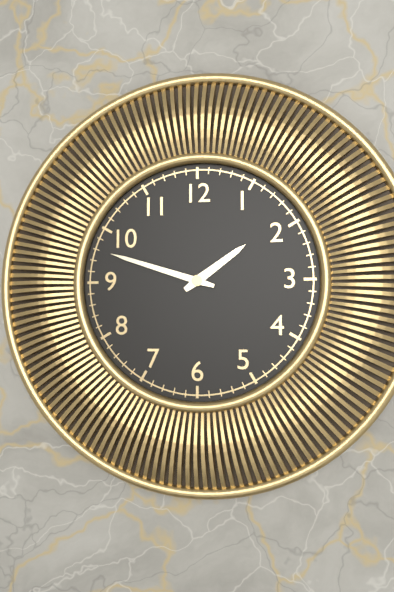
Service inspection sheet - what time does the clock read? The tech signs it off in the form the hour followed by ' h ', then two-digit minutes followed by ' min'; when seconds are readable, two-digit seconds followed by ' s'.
1 h 48 min
